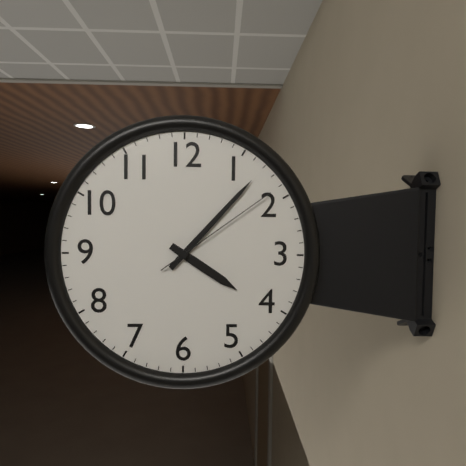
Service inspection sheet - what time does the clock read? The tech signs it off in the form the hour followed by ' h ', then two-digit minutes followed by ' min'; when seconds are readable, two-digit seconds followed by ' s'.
4 h 07 min 09 s
